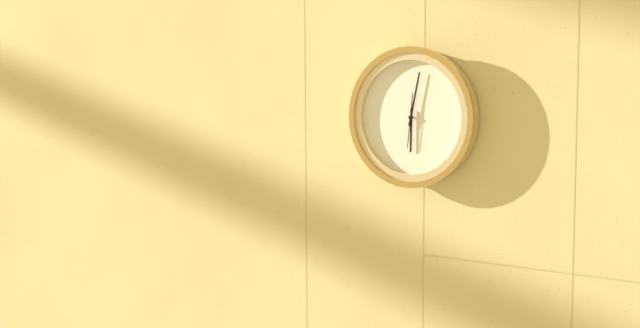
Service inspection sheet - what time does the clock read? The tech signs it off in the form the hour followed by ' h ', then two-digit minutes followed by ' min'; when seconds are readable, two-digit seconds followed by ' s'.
6 h 02 min
